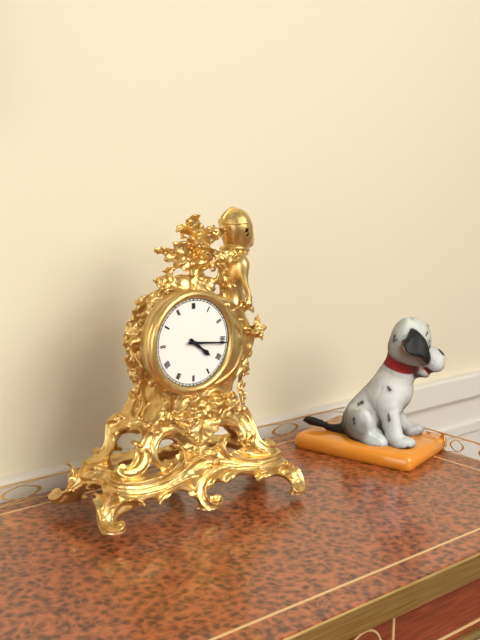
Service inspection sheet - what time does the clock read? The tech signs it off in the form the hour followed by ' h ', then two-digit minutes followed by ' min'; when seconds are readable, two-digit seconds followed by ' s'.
4 h 16 min
